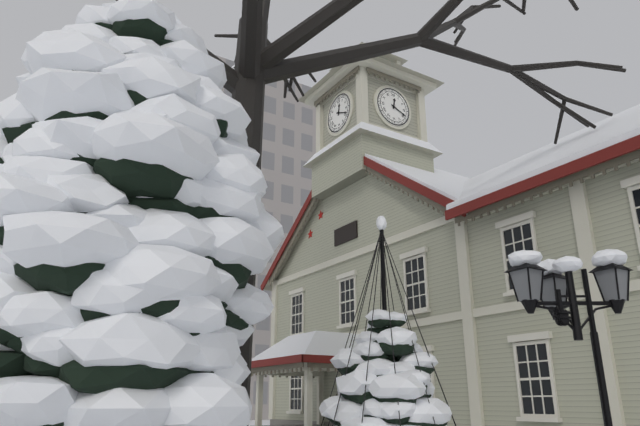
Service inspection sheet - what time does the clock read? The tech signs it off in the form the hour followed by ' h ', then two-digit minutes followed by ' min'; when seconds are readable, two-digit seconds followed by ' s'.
12 h 19 min
